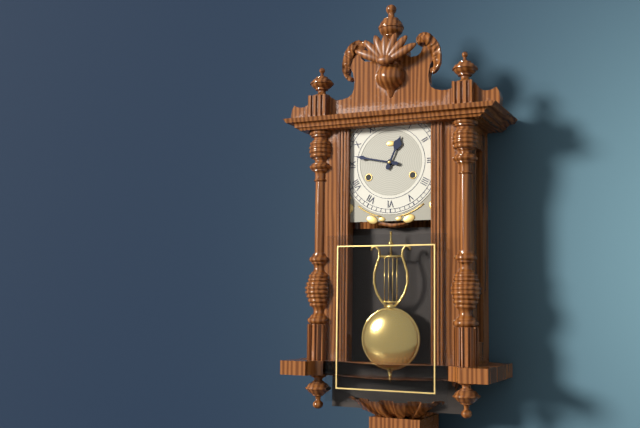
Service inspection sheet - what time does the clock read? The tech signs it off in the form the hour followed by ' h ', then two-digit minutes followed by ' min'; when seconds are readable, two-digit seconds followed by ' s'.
12 h 47 min
